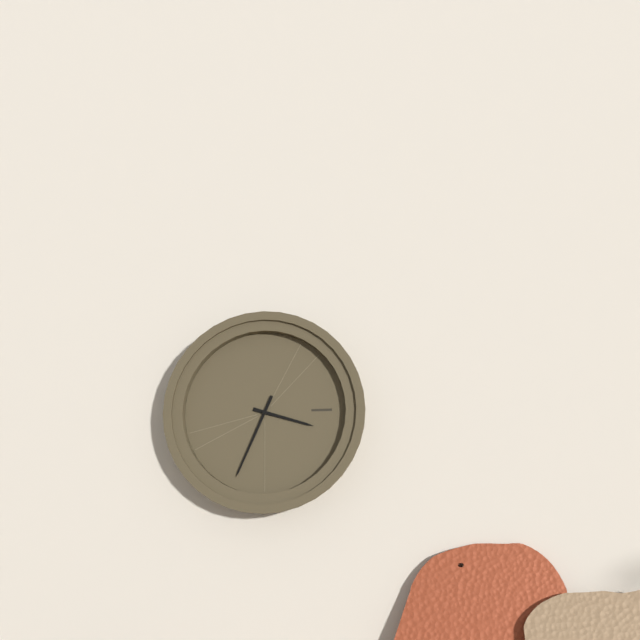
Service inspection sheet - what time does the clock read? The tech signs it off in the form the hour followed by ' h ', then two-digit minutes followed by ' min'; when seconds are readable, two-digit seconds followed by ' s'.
3 h 34 min
